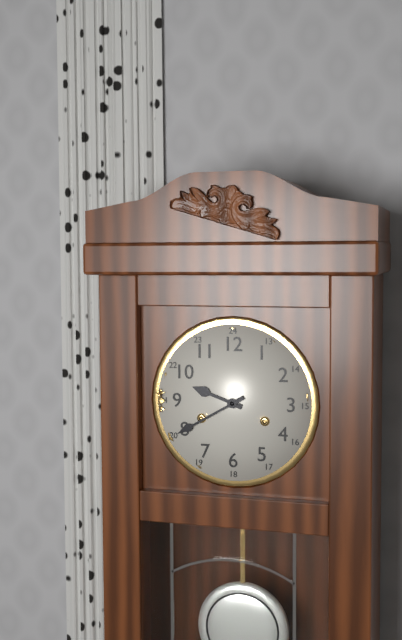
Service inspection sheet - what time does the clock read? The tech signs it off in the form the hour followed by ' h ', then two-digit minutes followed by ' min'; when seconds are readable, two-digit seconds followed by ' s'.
9 h 40 min
